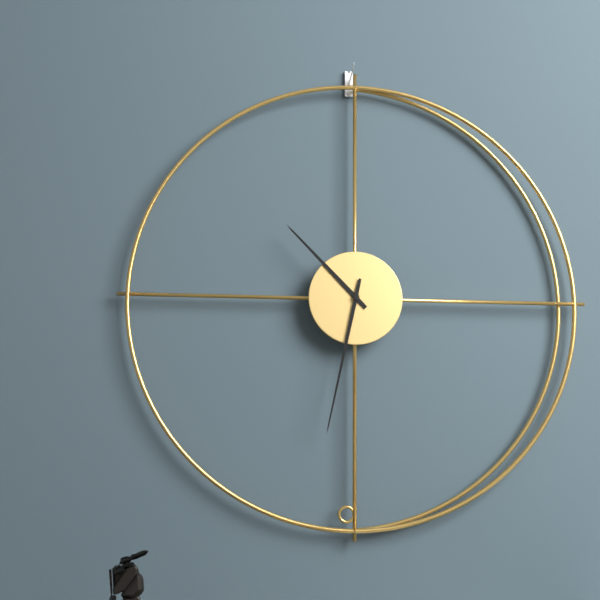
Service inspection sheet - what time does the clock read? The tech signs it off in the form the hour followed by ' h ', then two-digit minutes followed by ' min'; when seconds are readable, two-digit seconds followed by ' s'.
10 h 32 min
